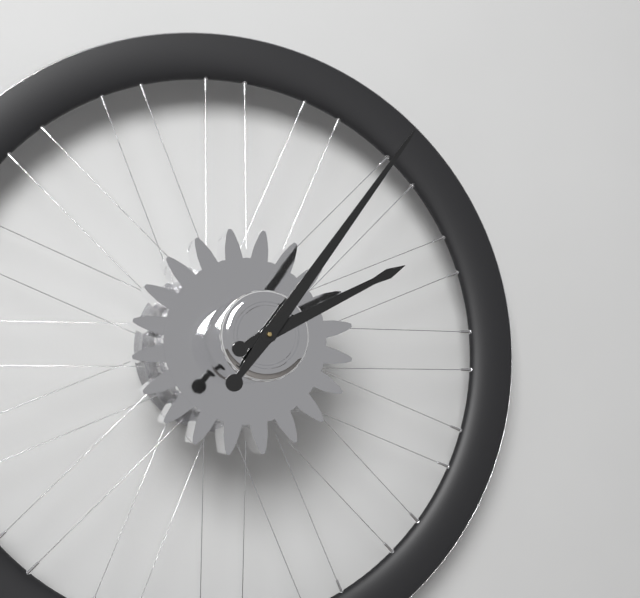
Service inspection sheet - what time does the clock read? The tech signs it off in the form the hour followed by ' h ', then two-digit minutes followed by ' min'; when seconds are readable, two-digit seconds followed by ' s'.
2 h 06 min
